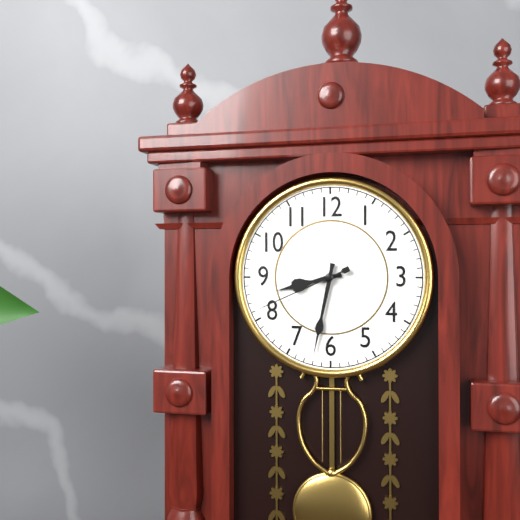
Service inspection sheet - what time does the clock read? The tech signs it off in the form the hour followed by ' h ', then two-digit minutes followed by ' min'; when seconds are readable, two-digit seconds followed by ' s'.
8 h 32 min 41 s
